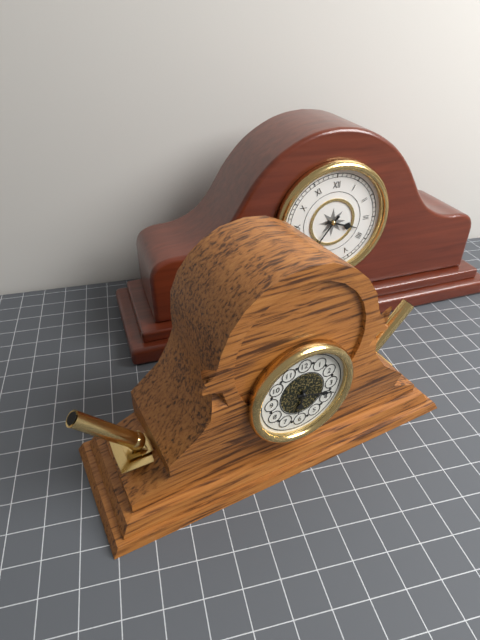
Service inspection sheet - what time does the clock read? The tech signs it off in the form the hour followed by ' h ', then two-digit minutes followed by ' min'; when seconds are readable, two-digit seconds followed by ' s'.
6 h 18 min
